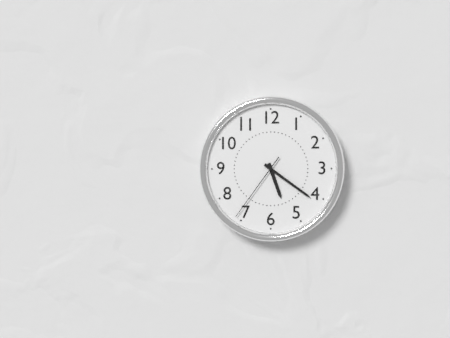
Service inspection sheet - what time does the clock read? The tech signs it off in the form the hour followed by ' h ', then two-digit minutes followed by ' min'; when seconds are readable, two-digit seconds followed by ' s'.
5 h 21 min 36 s
